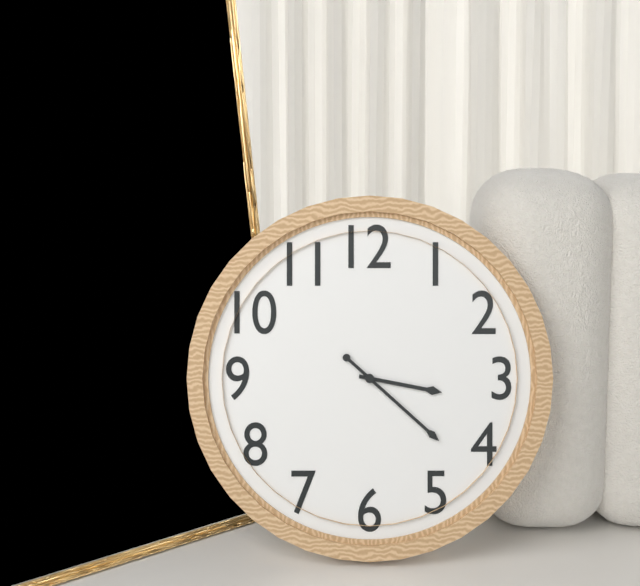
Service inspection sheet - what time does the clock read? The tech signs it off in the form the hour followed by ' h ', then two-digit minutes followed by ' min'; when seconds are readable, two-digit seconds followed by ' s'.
3 h 22 min
